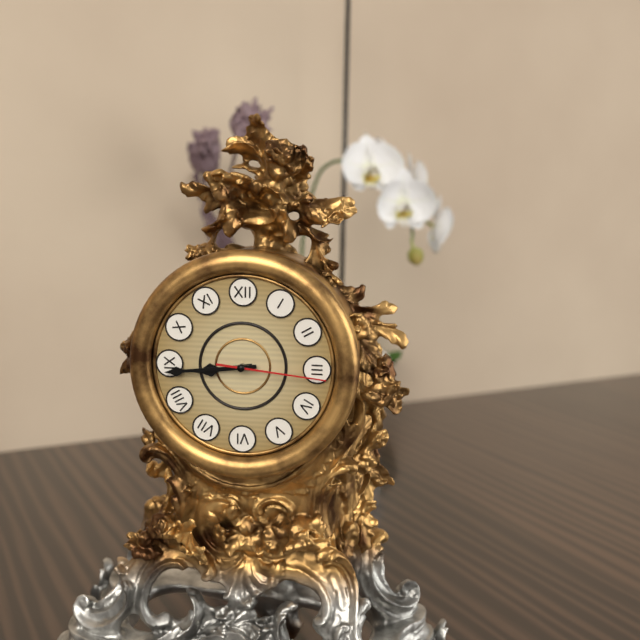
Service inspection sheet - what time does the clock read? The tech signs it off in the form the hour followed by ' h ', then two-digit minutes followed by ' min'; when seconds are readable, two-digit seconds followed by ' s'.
8 h 44 min 16 s
